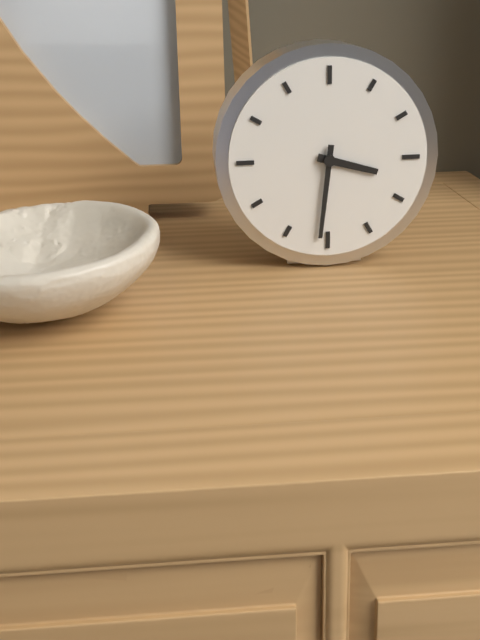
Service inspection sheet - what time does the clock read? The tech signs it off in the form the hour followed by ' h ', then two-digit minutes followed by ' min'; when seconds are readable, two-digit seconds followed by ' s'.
3 h 31 min
